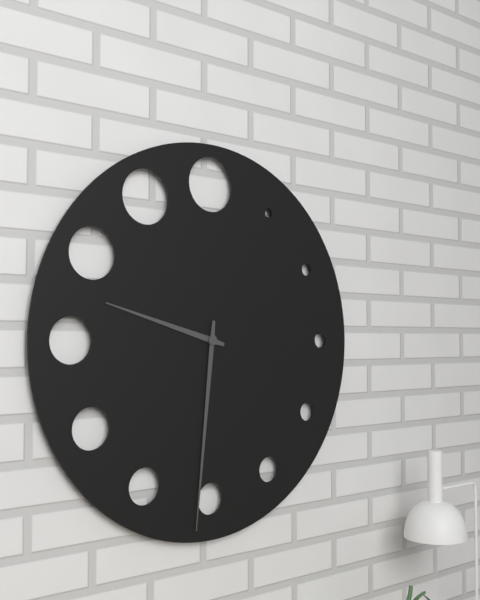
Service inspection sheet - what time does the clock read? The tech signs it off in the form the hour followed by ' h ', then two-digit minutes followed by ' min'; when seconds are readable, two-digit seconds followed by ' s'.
9 h 31 min
